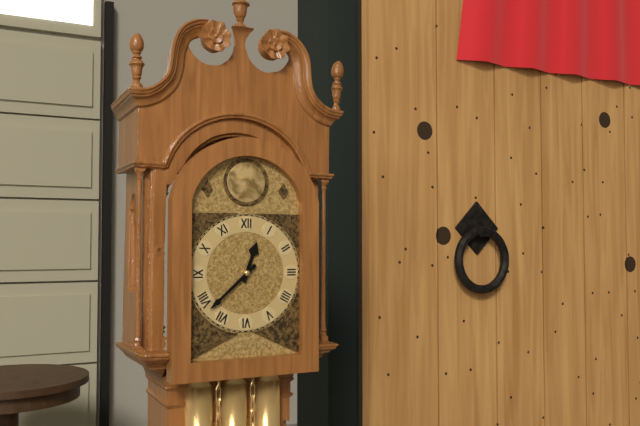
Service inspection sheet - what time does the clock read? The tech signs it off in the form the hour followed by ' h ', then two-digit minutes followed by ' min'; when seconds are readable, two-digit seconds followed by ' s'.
12 h 38 min
